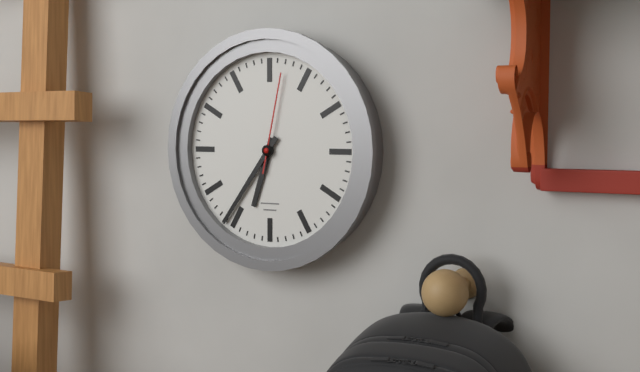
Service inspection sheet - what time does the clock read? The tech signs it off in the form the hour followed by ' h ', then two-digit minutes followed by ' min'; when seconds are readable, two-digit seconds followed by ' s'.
6 h 36 min 02 s
